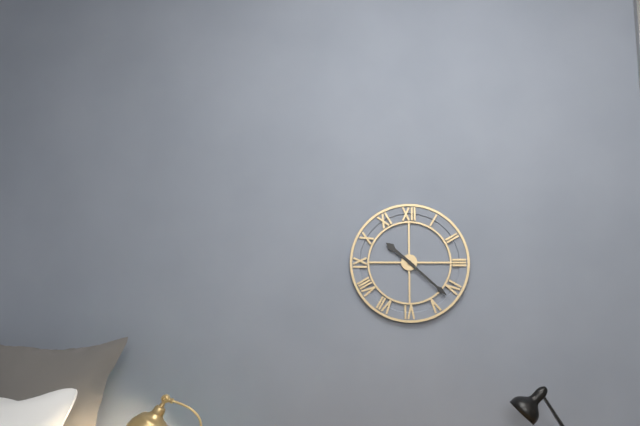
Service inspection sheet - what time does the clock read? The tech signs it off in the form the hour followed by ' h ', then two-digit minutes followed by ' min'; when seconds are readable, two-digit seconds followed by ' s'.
10 h 22 min
